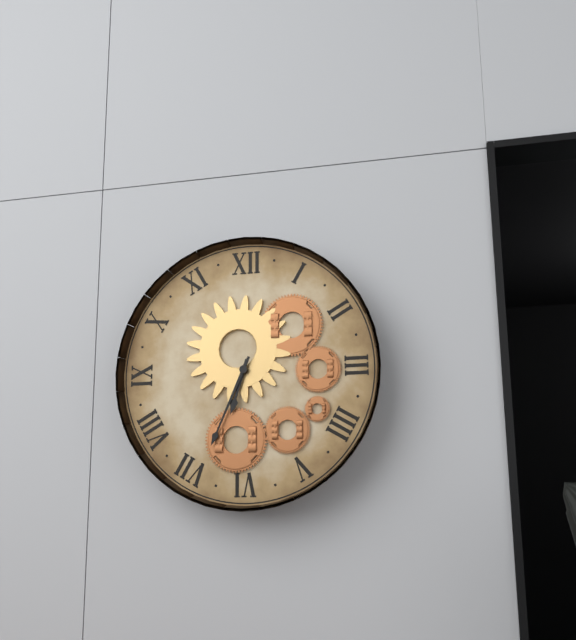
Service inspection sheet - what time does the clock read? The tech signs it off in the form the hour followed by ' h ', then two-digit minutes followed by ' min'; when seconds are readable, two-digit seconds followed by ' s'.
6 h 34 min
